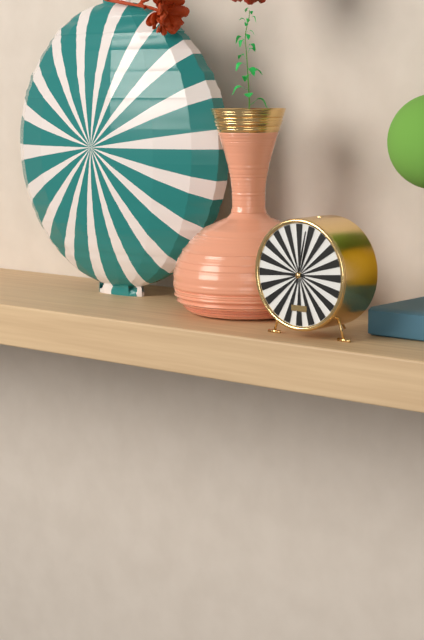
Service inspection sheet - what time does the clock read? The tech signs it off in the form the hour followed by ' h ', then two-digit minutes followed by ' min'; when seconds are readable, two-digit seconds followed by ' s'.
9 h 02 min
